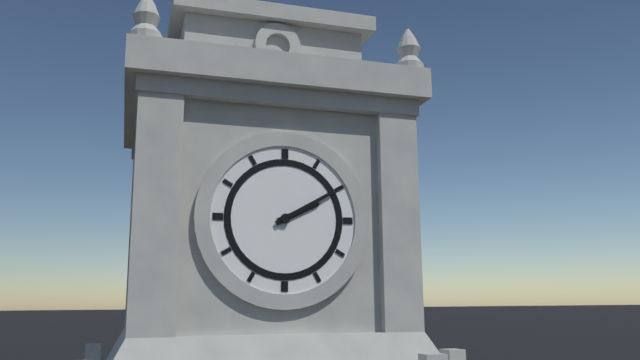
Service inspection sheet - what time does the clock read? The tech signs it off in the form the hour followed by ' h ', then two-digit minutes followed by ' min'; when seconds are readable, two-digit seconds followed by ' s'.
2 h 10 min
